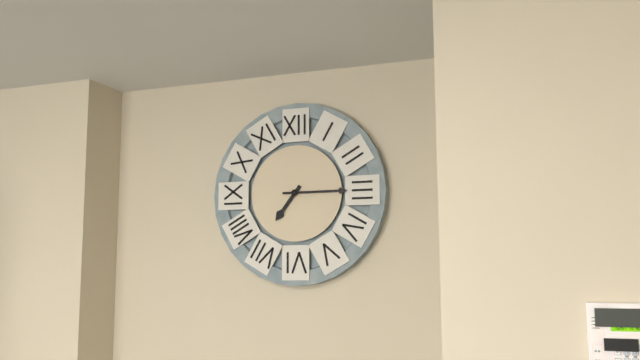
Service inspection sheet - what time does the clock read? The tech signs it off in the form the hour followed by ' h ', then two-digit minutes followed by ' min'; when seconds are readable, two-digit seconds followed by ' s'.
7 h 15 min
